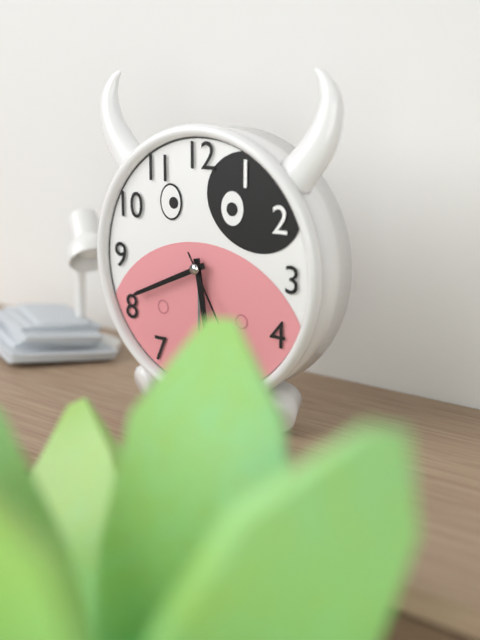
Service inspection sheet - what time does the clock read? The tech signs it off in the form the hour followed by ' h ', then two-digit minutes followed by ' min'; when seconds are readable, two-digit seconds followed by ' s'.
5 h 41 min
